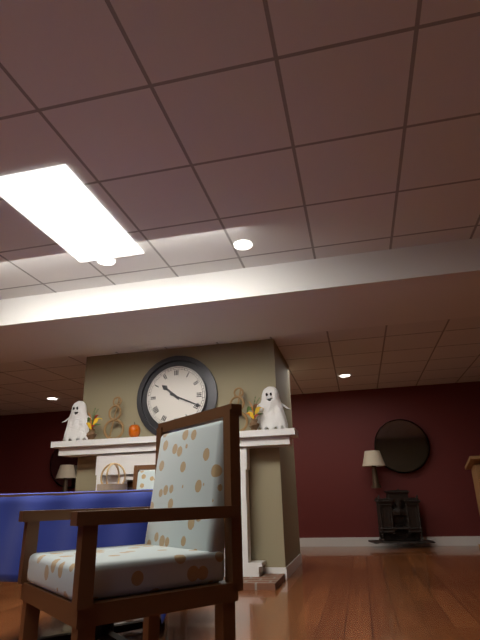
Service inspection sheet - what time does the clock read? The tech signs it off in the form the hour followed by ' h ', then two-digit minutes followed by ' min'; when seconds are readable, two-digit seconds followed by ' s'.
10 h 19 min
